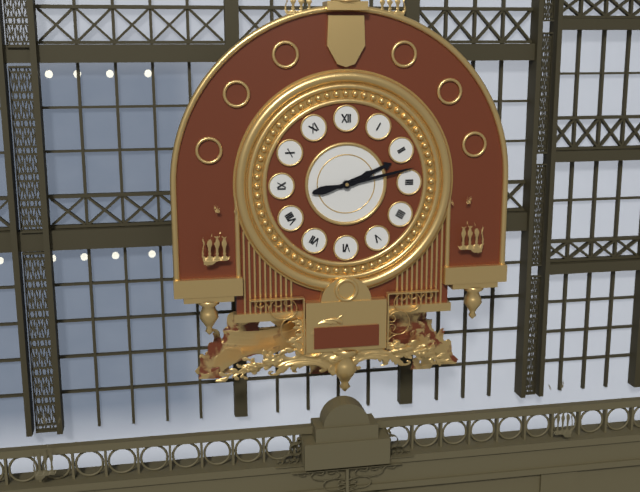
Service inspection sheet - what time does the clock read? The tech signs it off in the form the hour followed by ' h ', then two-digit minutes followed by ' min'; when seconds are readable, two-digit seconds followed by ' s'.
2 h 13 min
